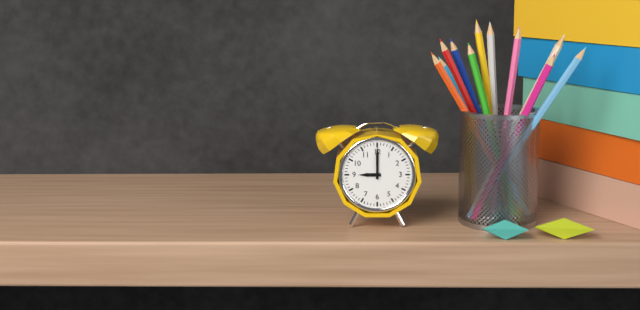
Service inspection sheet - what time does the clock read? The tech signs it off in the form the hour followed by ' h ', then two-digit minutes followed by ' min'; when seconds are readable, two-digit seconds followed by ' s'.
9 h 00 min
